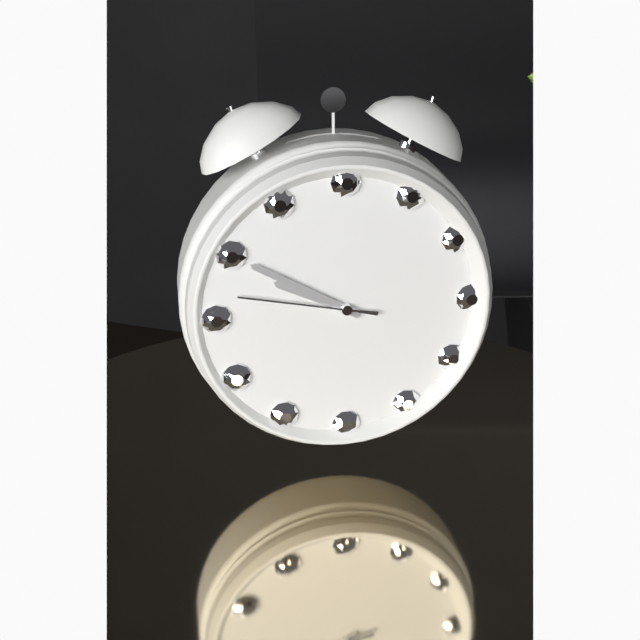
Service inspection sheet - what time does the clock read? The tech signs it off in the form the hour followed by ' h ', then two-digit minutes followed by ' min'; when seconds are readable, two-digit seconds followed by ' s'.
9 h 50 min 47 s
